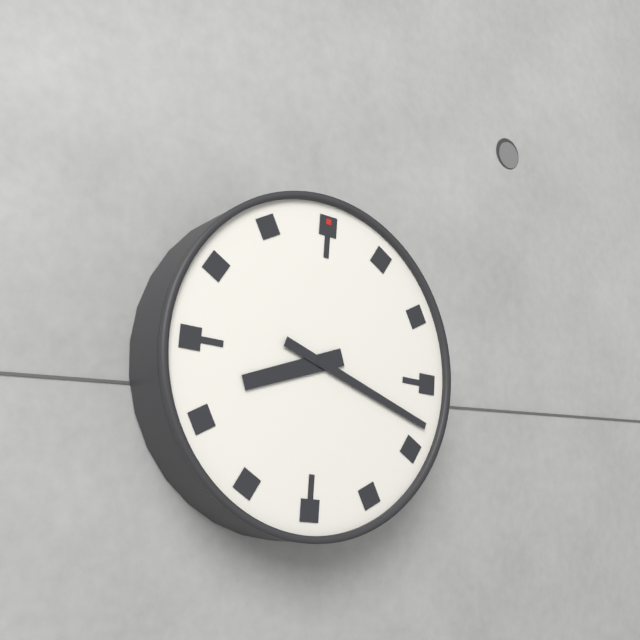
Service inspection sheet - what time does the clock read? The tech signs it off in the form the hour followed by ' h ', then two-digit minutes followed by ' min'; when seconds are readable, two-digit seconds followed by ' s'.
8 h 18 min
